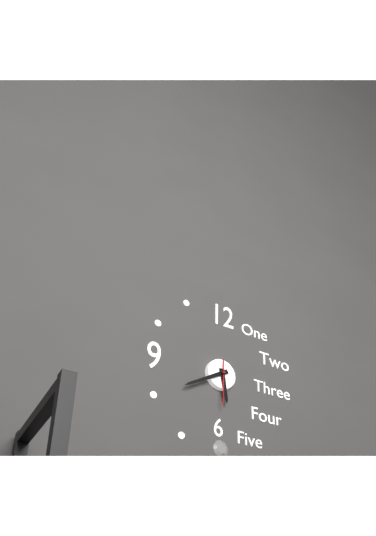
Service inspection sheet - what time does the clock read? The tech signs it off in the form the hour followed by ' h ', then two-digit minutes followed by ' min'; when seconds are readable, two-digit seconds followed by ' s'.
5 h 40 min
